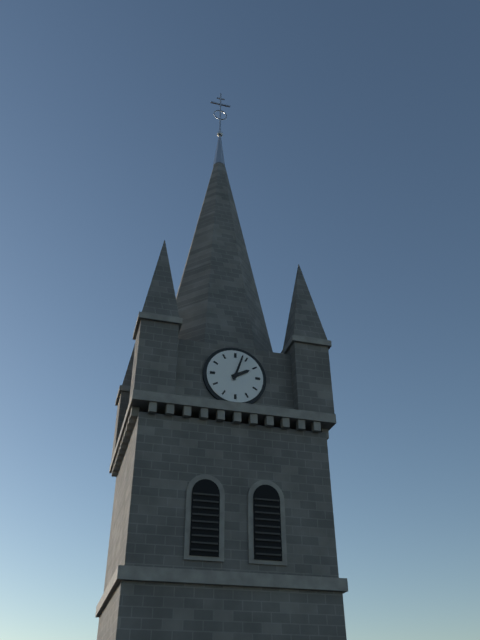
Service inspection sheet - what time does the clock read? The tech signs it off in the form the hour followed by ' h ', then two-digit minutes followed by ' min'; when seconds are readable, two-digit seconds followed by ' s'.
2 h 03 min
